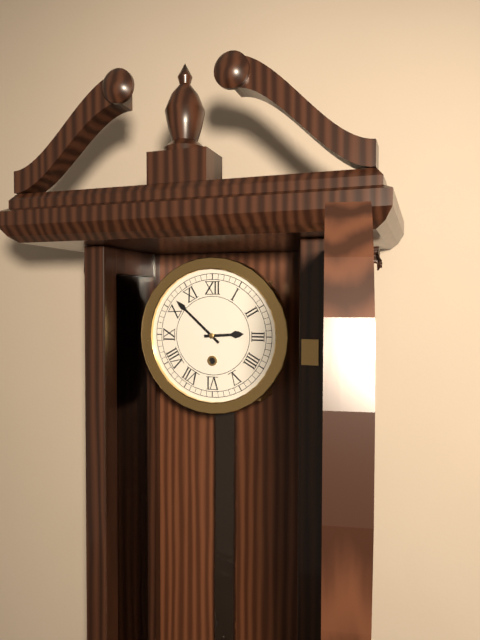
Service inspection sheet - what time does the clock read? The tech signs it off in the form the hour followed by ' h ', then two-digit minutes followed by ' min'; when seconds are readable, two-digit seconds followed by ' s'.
2 h 52 min
